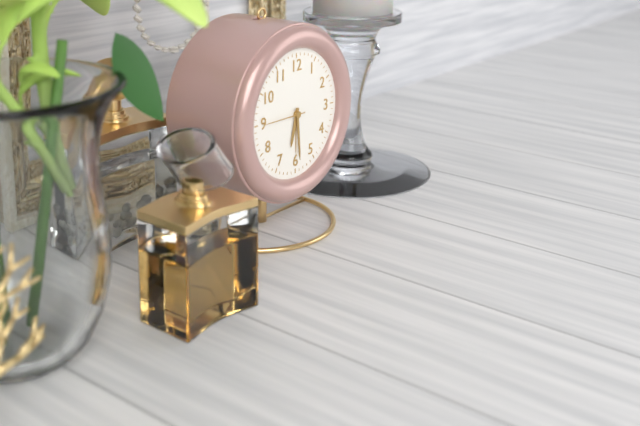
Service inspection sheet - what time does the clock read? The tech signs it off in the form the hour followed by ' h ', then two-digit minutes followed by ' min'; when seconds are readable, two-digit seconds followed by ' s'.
6 h 29 min
